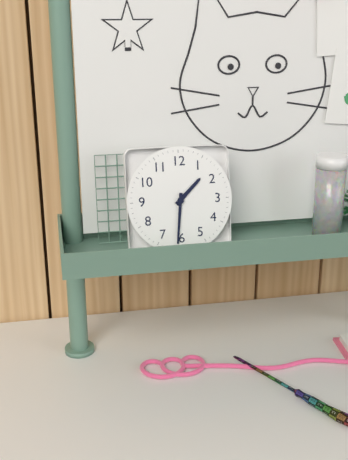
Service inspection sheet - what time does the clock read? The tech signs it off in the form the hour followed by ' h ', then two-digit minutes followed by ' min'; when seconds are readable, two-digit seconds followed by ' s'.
1 h 31 min
